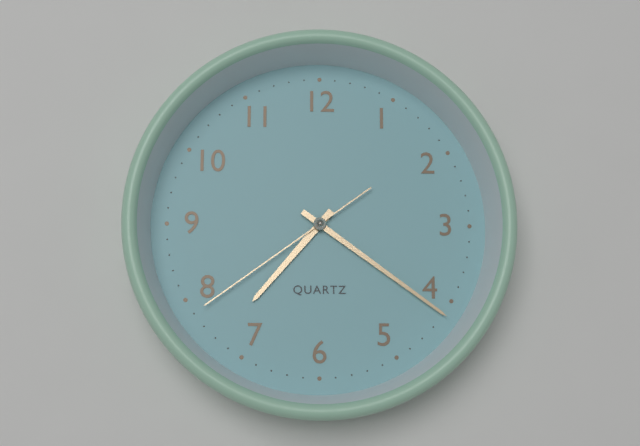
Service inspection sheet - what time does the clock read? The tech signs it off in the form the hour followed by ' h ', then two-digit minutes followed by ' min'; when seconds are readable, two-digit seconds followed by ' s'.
7 h 21 min 39 s
